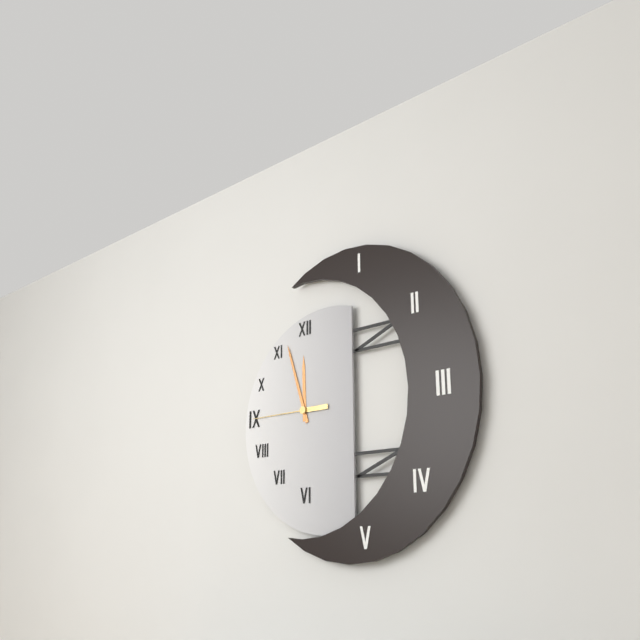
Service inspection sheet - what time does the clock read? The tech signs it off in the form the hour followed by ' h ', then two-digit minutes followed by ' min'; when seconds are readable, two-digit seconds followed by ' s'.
11 h 57 min 45 s
